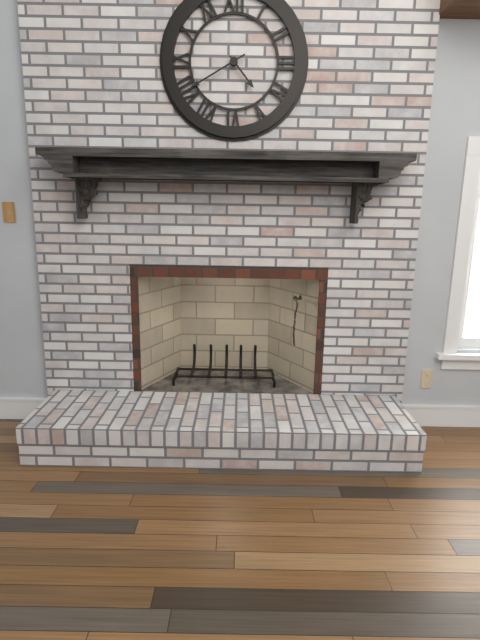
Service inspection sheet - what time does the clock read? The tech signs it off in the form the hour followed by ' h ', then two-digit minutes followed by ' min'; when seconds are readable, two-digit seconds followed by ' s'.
4 h 40 min
